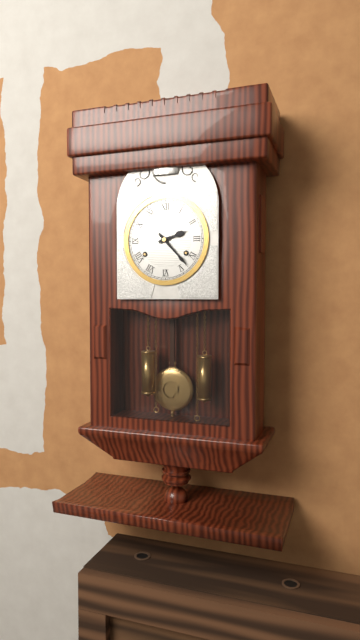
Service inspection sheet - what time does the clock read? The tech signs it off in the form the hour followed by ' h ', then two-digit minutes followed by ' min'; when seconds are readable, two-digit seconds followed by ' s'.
2 h 23 min
